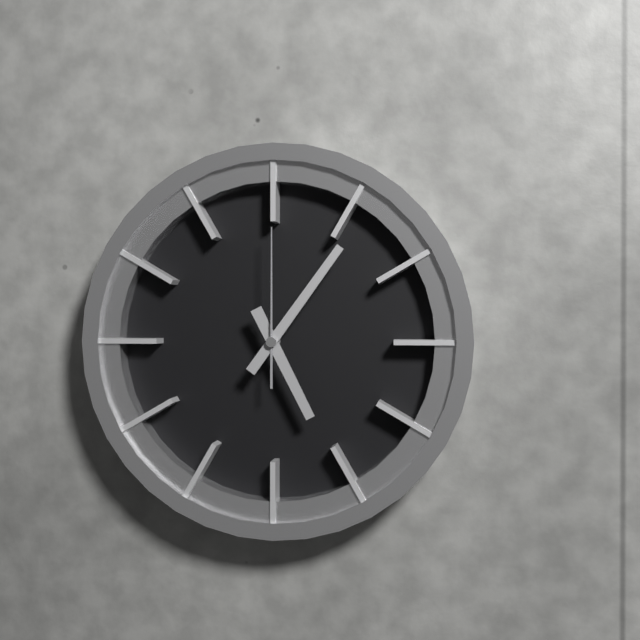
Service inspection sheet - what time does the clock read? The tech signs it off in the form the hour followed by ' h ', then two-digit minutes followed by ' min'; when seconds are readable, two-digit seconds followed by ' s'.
5 h 06 min 00 s
